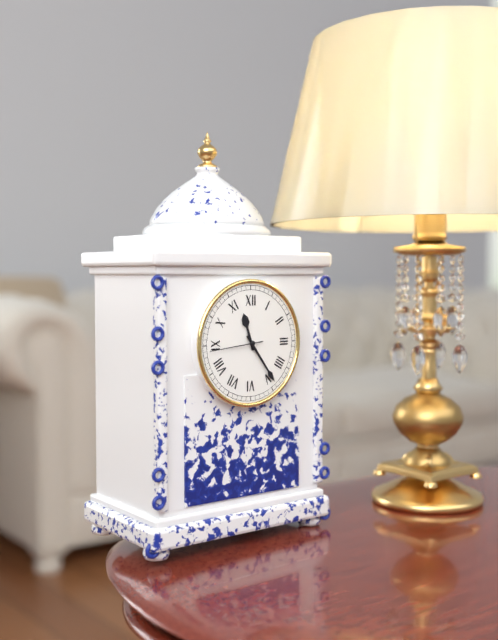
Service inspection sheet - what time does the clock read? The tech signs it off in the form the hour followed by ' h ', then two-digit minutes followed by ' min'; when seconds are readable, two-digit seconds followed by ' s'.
11 h 24 min 44 s
